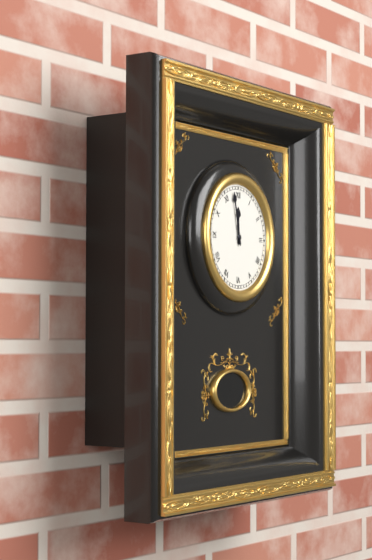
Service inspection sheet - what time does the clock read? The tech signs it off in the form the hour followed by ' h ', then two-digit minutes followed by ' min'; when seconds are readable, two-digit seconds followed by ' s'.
11 h 58 min
